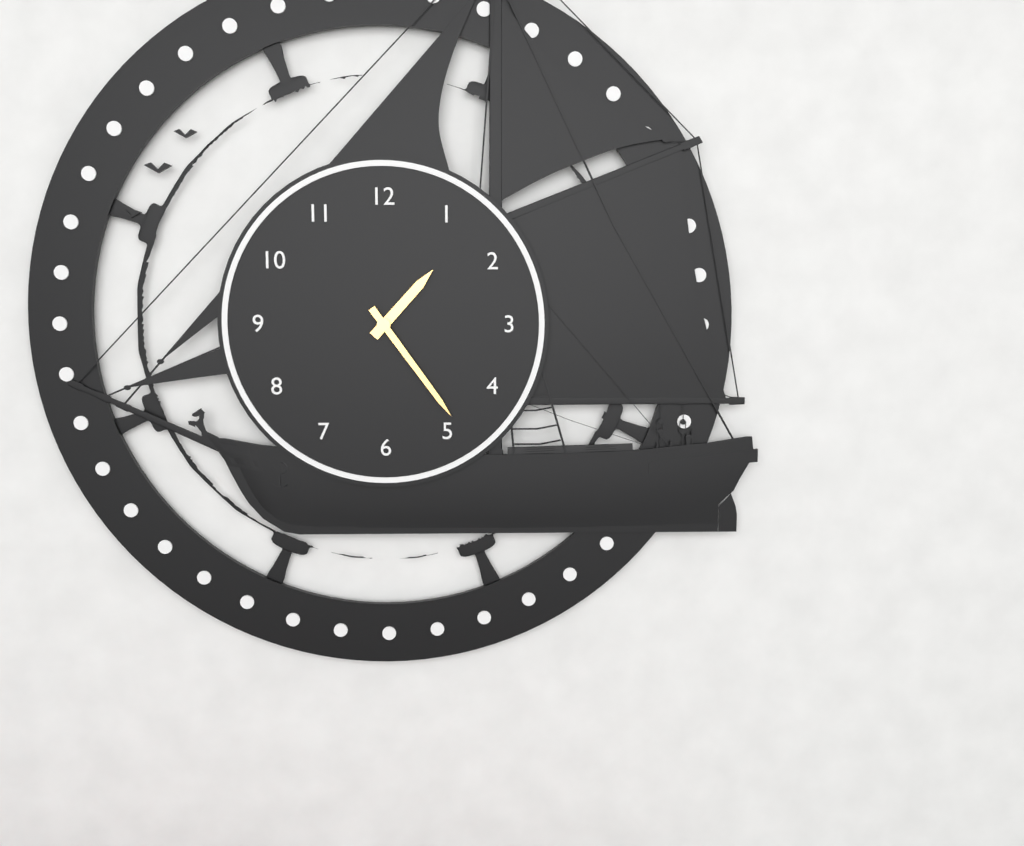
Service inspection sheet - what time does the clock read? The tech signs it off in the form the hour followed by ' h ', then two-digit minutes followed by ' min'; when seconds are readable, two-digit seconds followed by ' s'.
1 h 24 min
